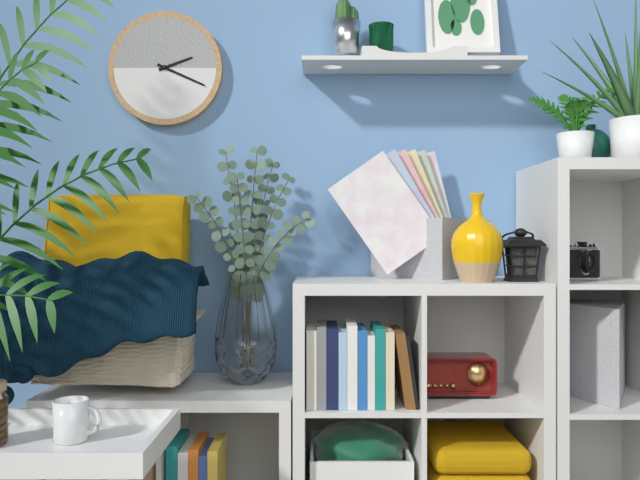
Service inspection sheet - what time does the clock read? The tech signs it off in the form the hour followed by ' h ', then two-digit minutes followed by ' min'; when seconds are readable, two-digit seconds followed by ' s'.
2 h 19 min
